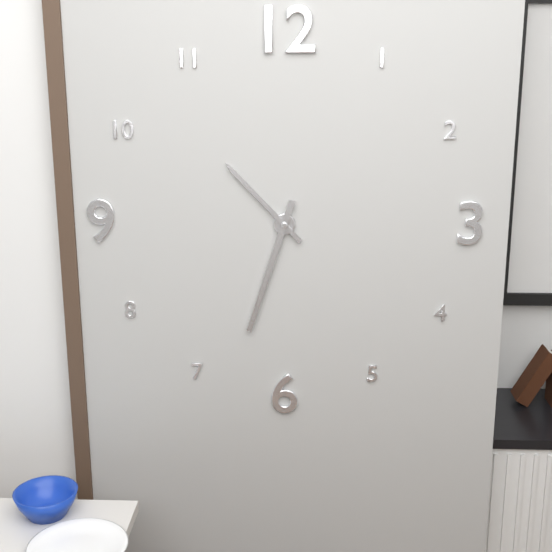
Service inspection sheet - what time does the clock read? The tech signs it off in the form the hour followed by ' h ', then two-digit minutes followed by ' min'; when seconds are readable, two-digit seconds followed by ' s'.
10 h 33 min
